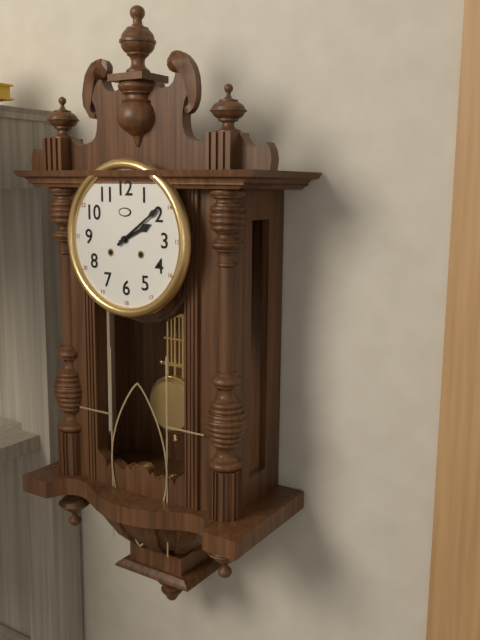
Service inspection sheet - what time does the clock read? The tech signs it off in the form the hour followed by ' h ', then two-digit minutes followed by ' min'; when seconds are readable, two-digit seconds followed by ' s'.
2 h 09 min
